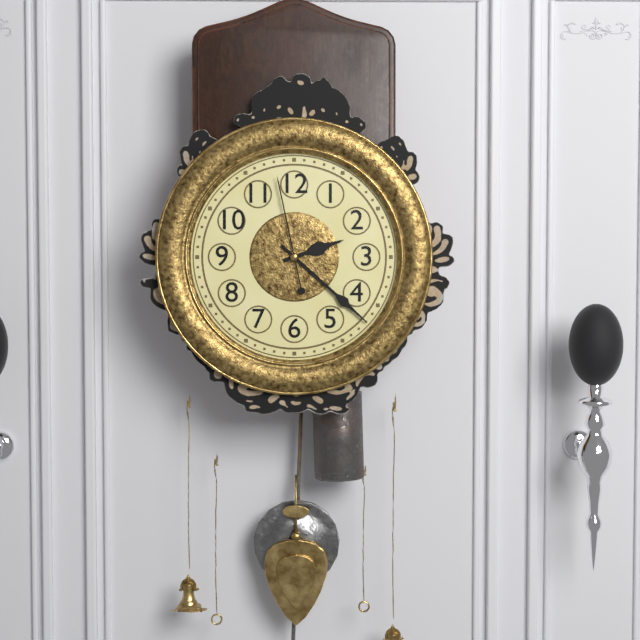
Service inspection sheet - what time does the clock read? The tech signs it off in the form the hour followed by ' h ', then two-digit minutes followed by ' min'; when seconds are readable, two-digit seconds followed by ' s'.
2 h 22 min 58 s
